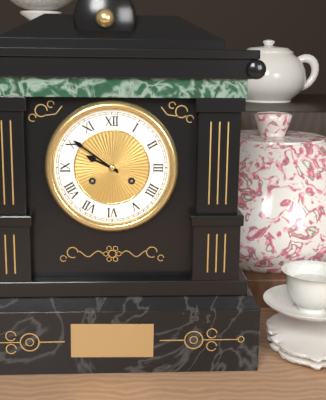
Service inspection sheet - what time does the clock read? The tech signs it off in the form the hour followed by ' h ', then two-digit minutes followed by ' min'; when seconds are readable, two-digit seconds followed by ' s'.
9 h 51 min
